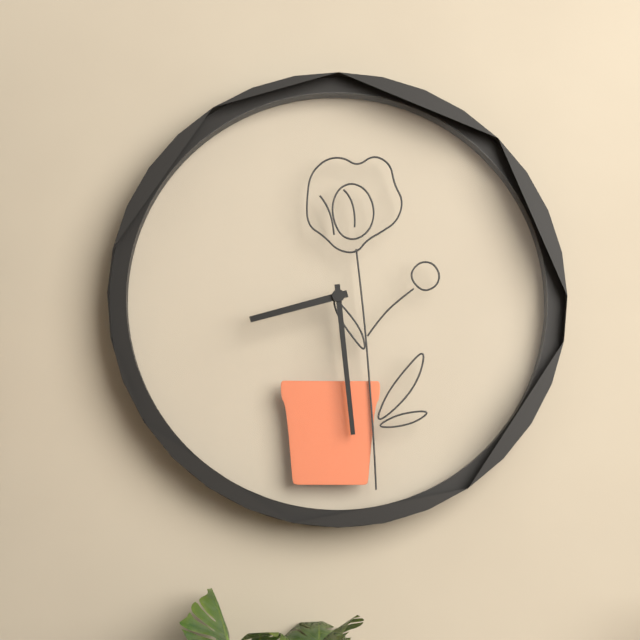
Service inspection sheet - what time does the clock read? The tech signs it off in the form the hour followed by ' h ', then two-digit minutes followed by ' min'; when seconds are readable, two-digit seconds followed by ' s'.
8 h 29 min
